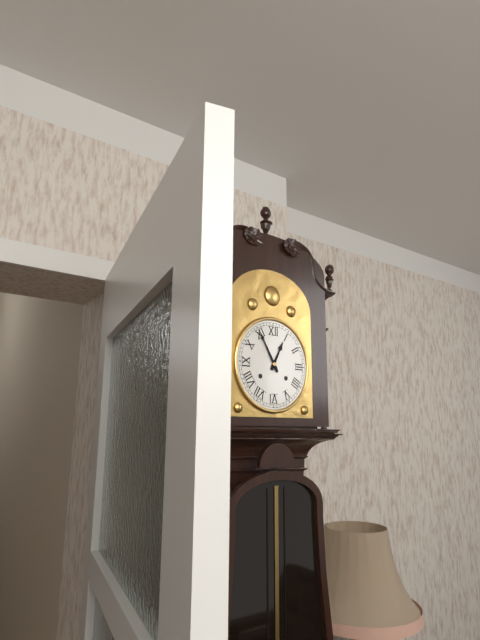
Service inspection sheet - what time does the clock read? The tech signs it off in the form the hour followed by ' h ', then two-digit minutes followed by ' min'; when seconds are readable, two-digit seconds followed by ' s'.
12 h 55 min
